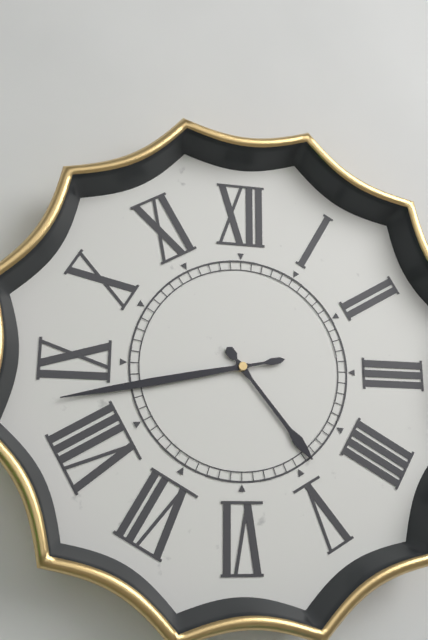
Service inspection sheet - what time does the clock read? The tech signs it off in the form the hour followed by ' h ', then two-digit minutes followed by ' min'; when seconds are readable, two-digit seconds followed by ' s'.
4 h 43 min
